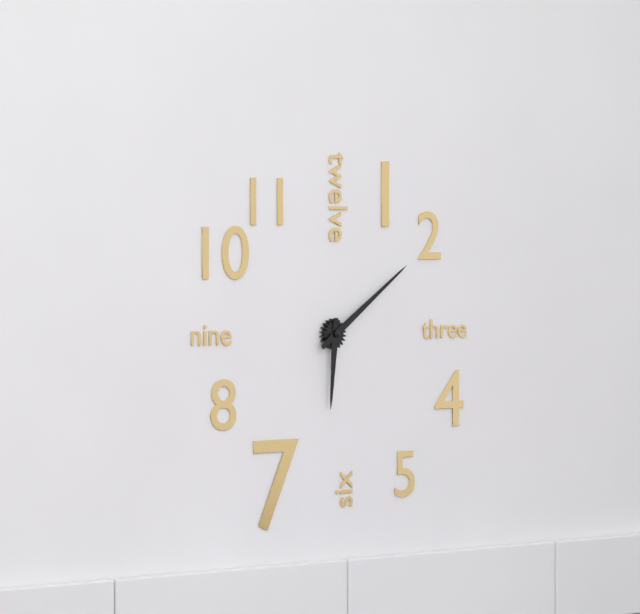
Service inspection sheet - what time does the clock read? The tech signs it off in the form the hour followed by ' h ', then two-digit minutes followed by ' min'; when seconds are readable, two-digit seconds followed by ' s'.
6 h 09 min
